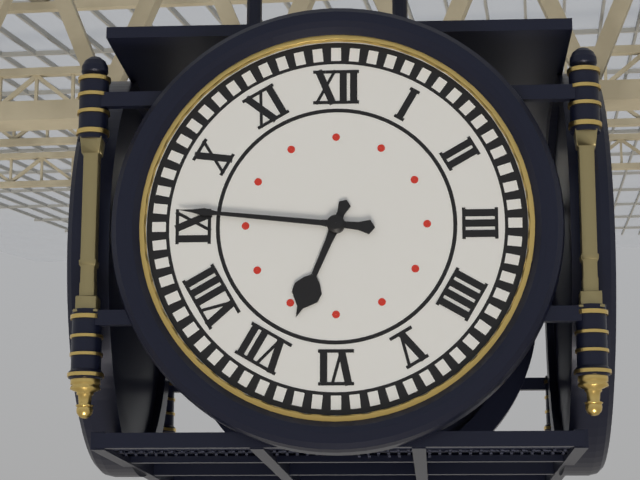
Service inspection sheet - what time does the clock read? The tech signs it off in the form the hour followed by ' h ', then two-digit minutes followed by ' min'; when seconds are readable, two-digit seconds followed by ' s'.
6 h 46 min
